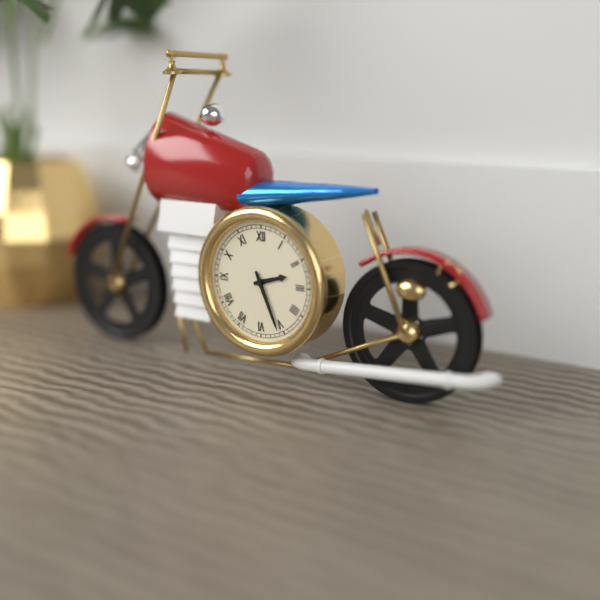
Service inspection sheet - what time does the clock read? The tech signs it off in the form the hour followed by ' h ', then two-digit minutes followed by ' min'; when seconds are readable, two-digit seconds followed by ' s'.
2 h 26 min
